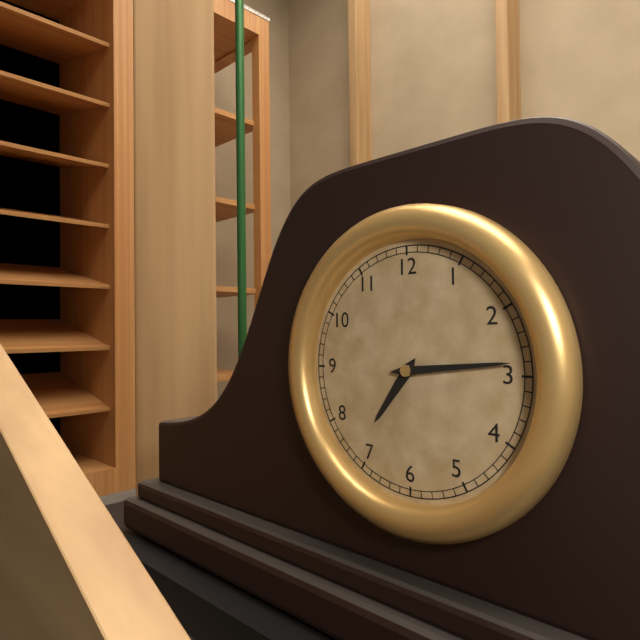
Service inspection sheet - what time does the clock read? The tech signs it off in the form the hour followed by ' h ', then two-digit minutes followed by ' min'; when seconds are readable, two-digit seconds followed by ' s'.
7 h 14 min
